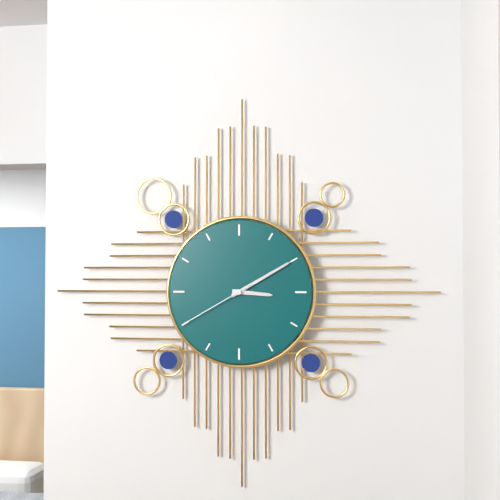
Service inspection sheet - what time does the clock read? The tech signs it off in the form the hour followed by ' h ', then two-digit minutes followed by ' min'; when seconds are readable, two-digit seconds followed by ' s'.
3 h 10 min 40 s
